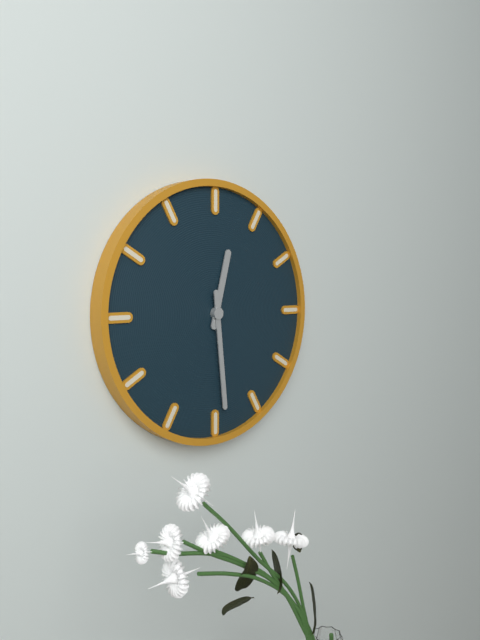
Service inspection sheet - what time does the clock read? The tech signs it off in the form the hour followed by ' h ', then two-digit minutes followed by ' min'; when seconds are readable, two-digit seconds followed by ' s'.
12 h 29 min
